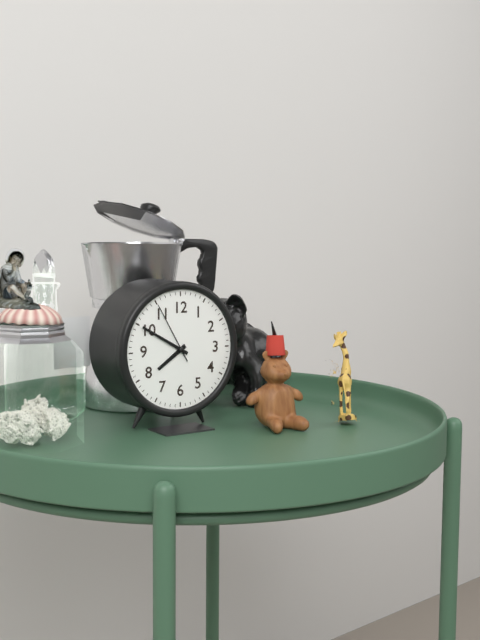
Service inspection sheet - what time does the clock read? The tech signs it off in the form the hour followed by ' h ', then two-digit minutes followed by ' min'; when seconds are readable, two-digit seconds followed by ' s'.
7 h 50 min 55 s
